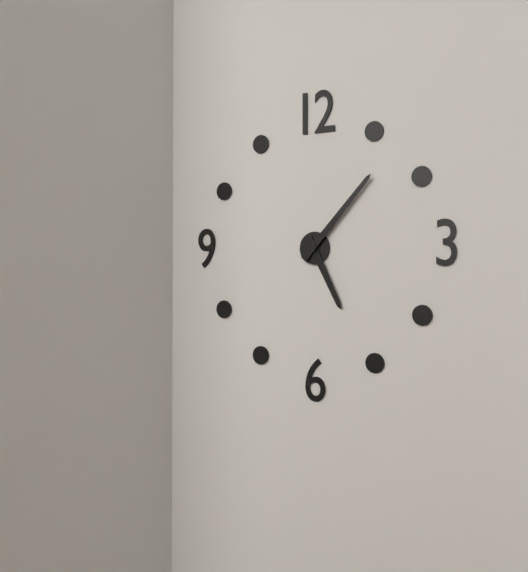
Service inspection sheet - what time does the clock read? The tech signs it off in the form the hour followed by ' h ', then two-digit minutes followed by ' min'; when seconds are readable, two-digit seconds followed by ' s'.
5 h 07 min
